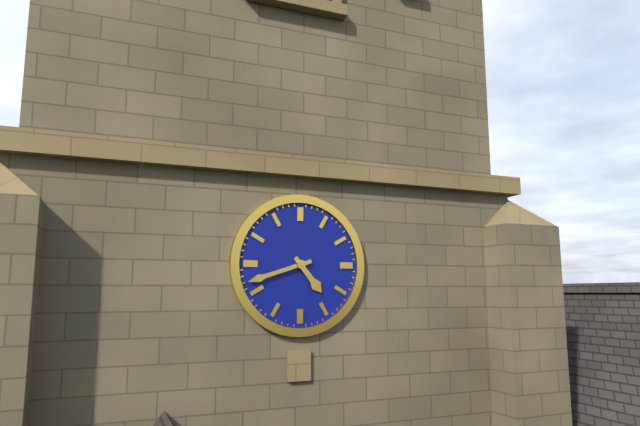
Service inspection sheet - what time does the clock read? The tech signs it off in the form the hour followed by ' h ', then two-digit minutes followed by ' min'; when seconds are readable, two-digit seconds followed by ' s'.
4 h 42 min
